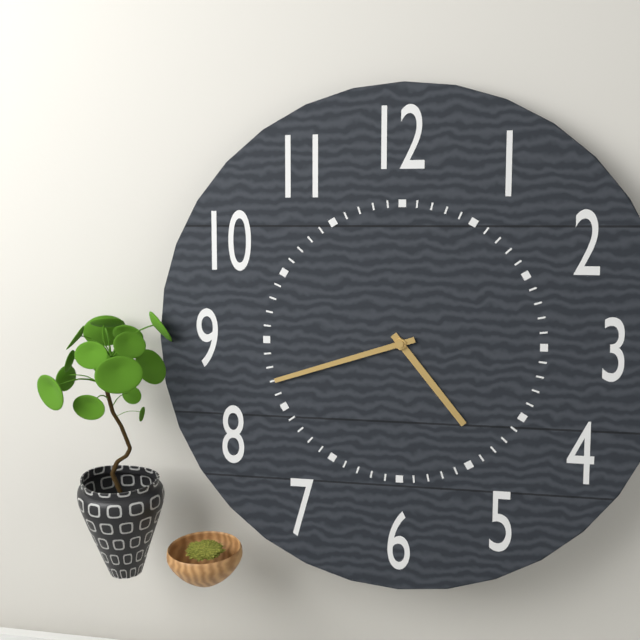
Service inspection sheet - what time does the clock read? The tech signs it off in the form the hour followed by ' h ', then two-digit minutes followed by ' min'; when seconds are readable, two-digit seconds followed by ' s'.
4 h 42 min
